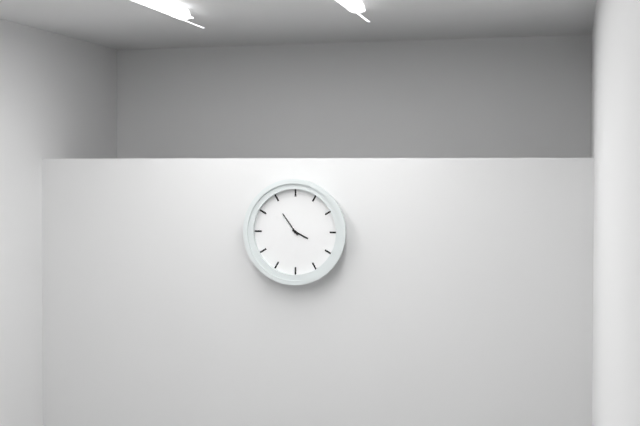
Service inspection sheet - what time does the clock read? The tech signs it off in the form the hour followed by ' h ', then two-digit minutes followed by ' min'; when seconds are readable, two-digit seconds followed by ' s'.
3 h 54 min
